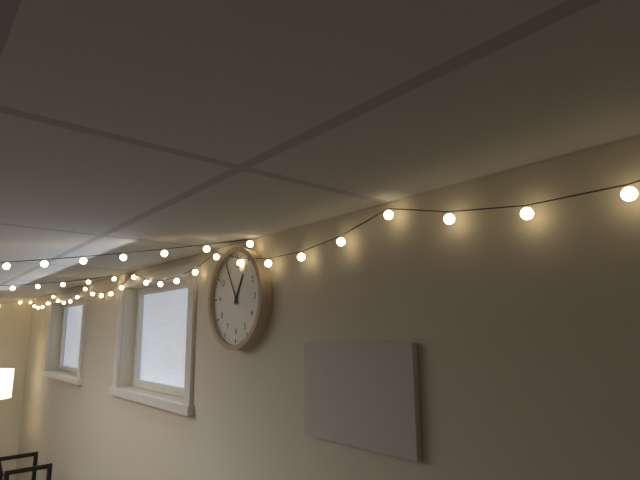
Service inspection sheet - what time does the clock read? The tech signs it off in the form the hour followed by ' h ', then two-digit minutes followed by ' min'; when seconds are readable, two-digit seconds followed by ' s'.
12 h 55 min
